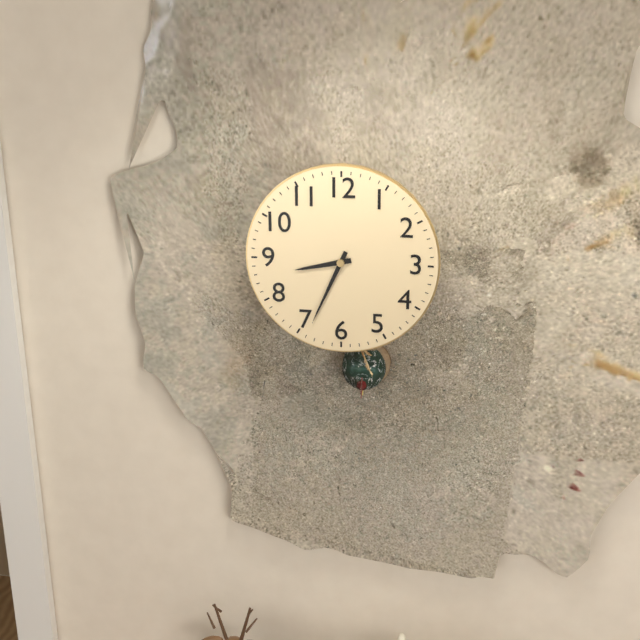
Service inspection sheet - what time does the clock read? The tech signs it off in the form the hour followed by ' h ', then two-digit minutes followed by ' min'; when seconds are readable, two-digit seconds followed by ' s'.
8 h 34 min
